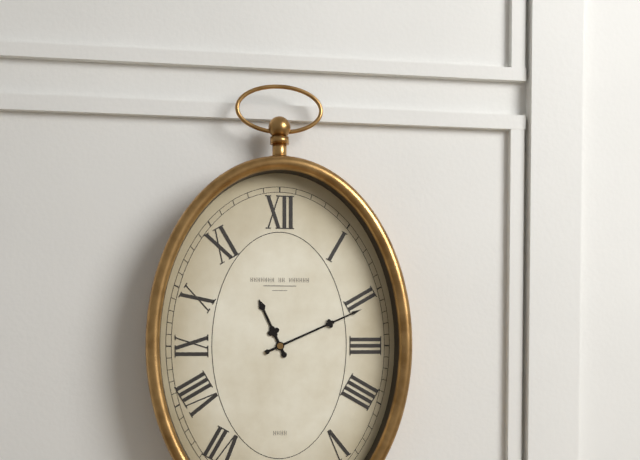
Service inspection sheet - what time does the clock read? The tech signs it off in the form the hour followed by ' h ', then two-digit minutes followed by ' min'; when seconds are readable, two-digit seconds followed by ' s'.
11 h 11 min
